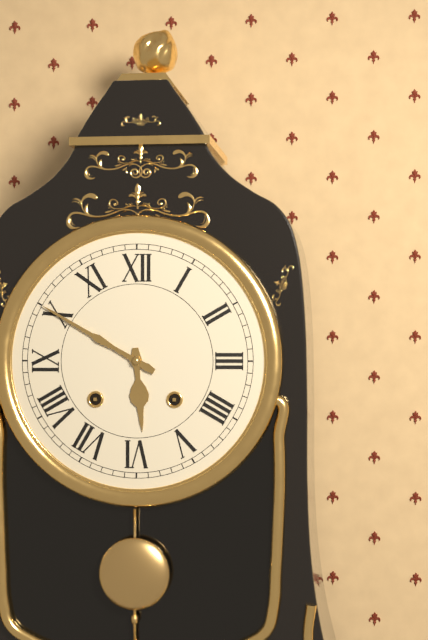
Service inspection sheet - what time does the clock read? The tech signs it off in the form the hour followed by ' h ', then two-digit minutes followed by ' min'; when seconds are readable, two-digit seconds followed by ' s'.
5 h 50 min
